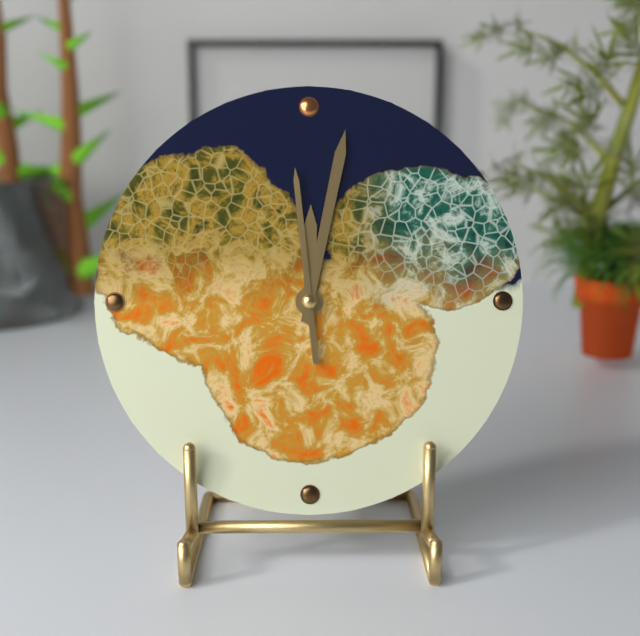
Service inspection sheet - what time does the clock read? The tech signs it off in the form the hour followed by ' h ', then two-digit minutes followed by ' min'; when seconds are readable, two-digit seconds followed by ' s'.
12 h 02 min 59 s
